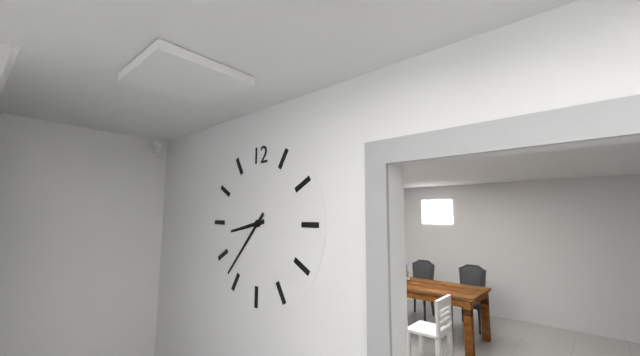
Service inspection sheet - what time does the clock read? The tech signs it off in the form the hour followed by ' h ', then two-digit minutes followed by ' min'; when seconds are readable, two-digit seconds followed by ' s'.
8 h 37 min
